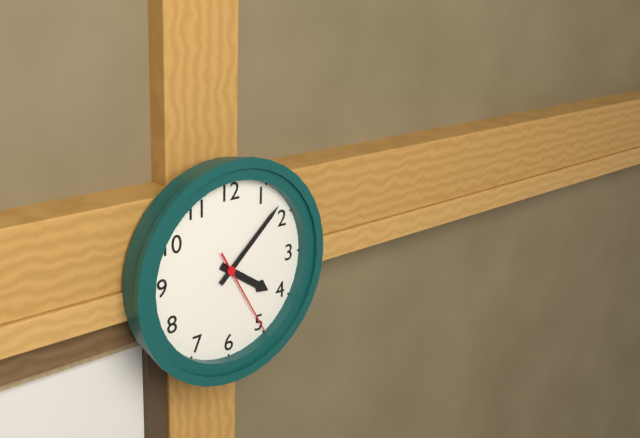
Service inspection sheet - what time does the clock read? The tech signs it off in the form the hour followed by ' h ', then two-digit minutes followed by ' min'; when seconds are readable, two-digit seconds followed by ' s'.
4 h 08 min 25 s
